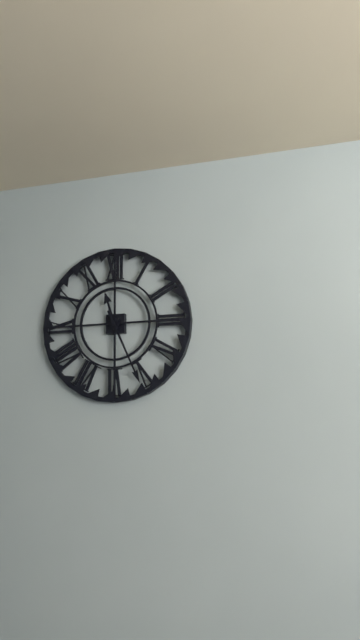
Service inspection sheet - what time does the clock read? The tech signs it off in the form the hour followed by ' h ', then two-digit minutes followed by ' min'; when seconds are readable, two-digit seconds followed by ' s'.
11 h 26 min
